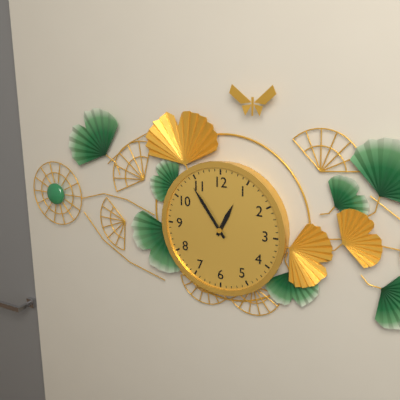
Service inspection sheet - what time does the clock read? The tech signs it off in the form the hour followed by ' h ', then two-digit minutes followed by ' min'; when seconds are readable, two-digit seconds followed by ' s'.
12 h 54 min
